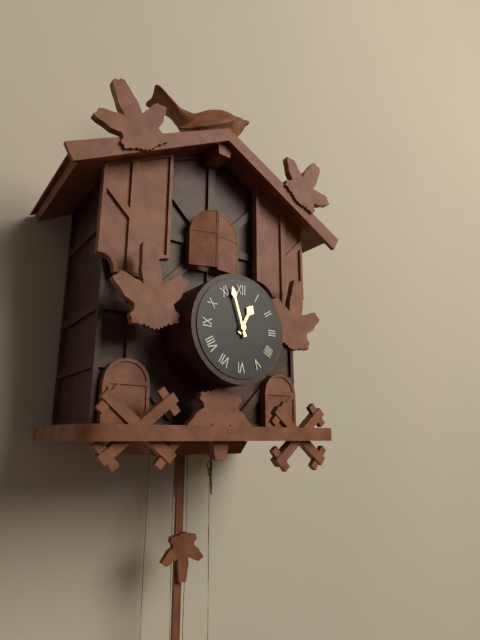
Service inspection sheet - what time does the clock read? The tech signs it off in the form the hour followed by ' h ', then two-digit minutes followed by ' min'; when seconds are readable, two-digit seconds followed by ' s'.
12 h 57 min
